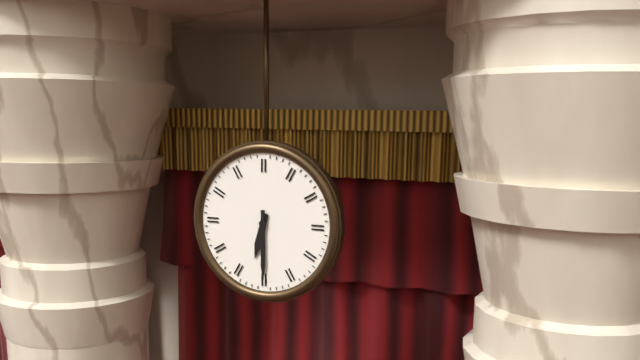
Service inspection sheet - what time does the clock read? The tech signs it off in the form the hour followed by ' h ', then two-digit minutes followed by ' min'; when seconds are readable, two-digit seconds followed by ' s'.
6 h 30 min
